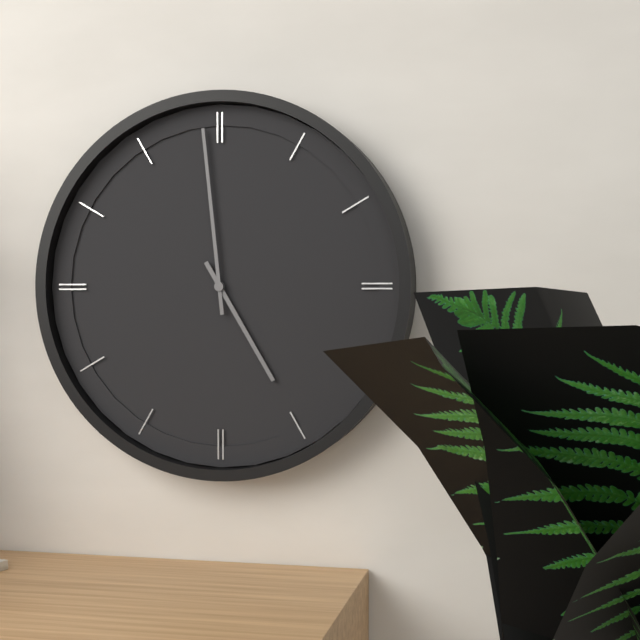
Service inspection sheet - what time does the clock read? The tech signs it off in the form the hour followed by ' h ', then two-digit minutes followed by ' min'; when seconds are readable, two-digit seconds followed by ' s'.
4 h 59 min
